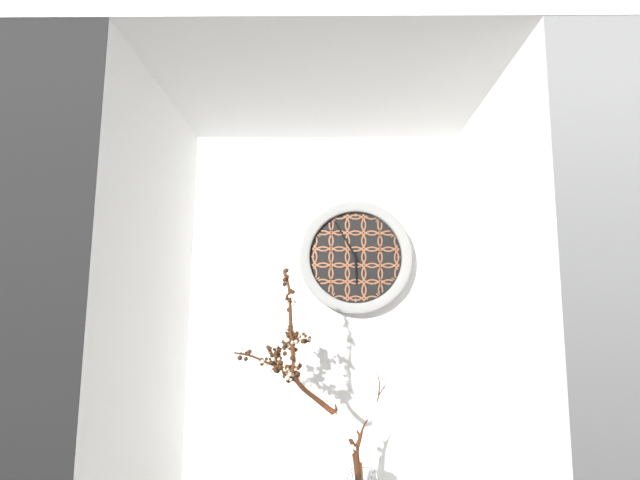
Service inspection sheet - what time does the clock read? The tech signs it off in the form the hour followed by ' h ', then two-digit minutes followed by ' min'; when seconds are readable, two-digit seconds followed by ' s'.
5 h 55 min
